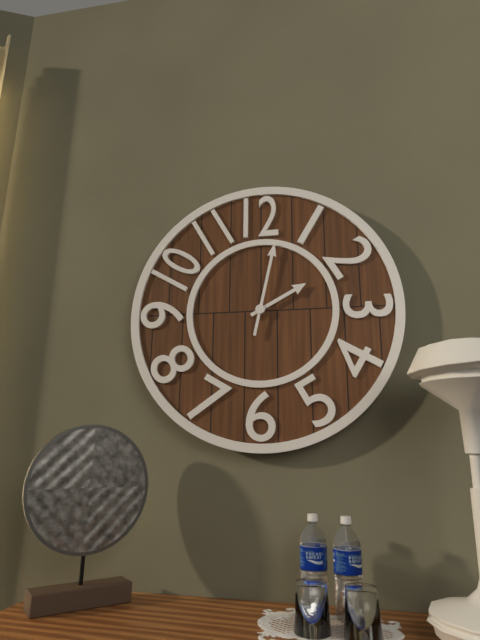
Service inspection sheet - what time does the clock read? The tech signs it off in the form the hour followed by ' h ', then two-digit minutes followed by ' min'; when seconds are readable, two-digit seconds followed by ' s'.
2 h 02 min
